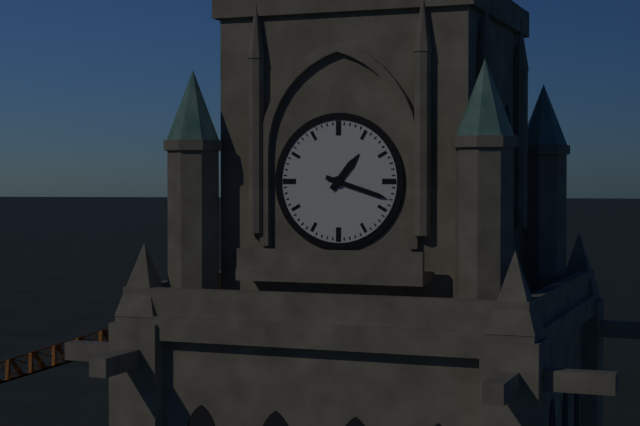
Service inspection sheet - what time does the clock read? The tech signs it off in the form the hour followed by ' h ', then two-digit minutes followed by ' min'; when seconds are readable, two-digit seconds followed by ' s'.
1 h 18 min
